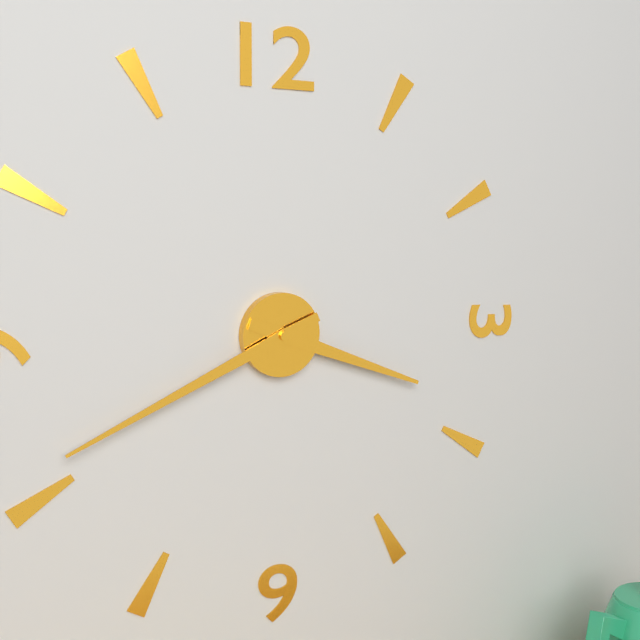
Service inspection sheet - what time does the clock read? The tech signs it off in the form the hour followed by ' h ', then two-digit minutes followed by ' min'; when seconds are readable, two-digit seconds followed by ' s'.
3 h 41 min
